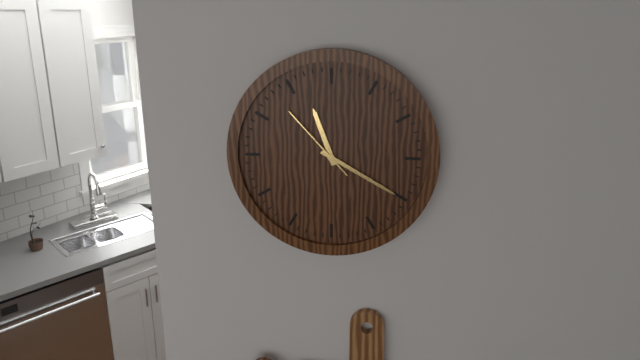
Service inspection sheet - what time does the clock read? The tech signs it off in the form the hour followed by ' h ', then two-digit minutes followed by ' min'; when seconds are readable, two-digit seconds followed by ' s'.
11 h 20 min 53 s
